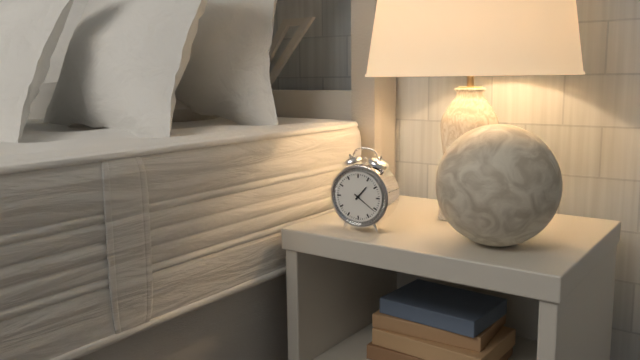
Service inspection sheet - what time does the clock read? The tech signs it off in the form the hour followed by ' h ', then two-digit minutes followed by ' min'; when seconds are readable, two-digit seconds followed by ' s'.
1 h 21 min
